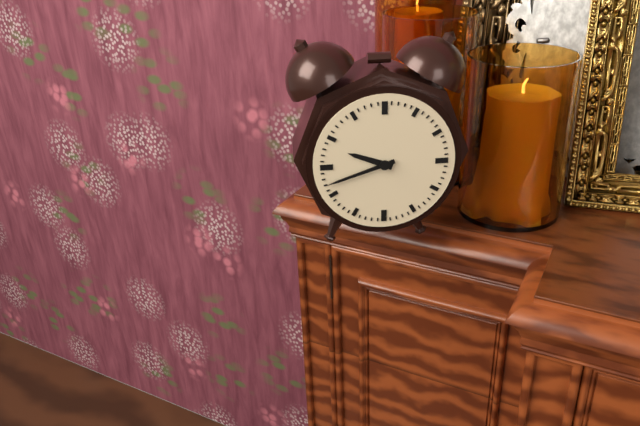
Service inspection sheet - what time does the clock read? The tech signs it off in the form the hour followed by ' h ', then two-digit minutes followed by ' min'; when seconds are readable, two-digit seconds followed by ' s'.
9 h 42 min
